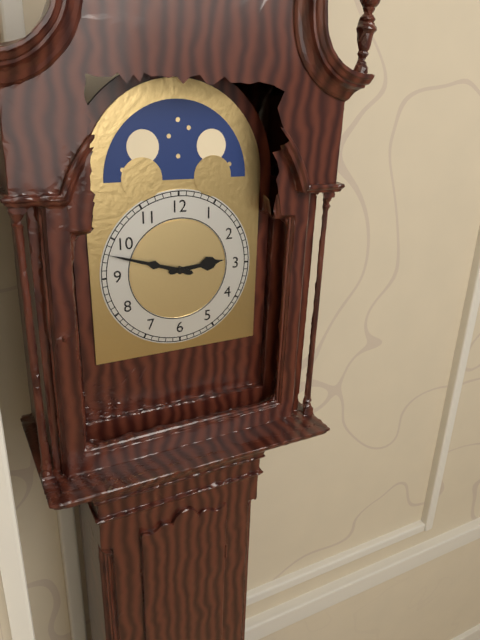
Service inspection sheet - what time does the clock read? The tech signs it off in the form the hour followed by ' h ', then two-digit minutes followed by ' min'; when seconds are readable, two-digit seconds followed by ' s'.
2 h 48 min
